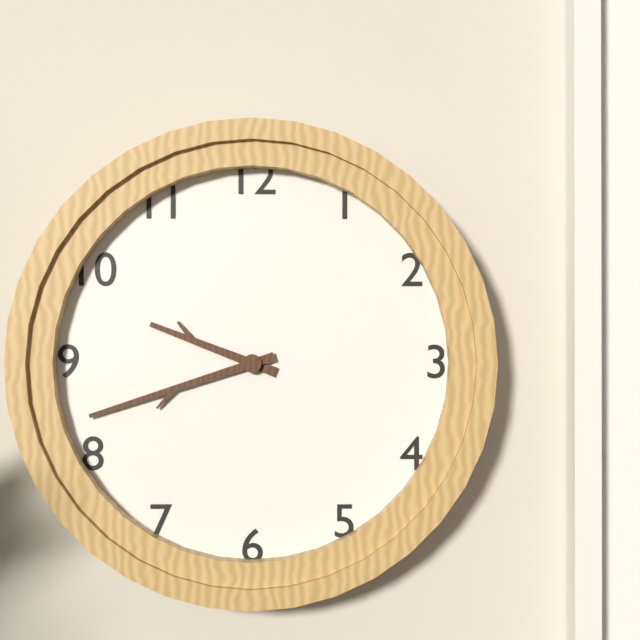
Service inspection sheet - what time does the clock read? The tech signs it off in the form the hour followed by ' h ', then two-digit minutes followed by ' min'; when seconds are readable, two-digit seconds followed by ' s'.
9 h 42 min
